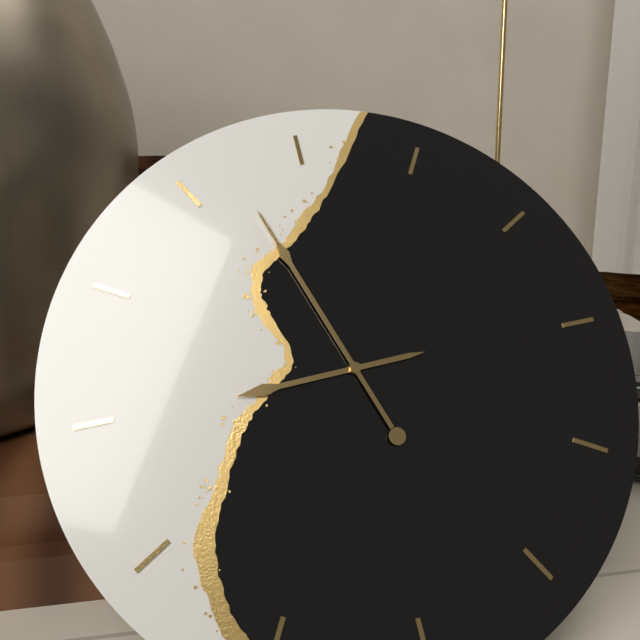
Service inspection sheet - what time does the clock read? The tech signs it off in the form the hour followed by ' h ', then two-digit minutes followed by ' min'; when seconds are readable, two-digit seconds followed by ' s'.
8 h 57 min
